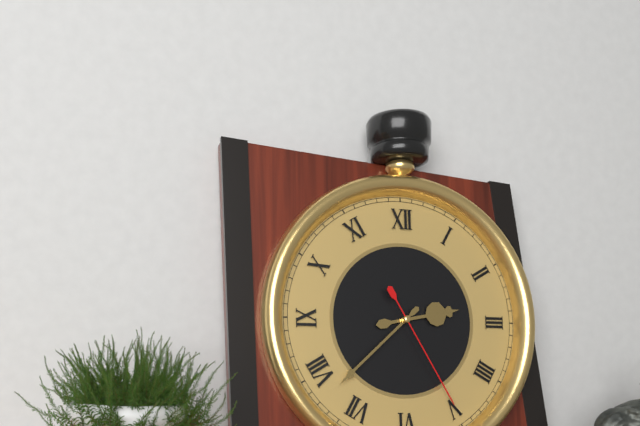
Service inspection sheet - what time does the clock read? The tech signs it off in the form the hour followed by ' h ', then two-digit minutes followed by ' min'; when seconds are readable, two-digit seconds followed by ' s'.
2 h 38 min 25 s
